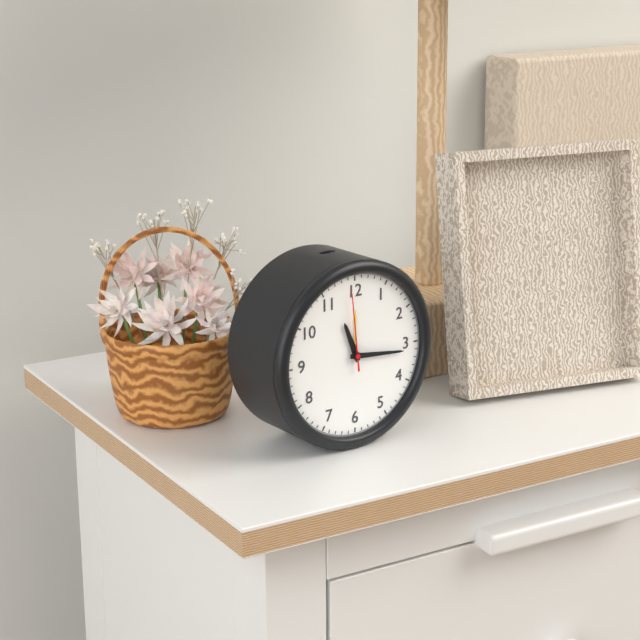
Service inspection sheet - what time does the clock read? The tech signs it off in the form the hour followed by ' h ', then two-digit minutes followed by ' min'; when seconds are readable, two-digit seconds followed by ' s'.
11 h 16 min 59 s
